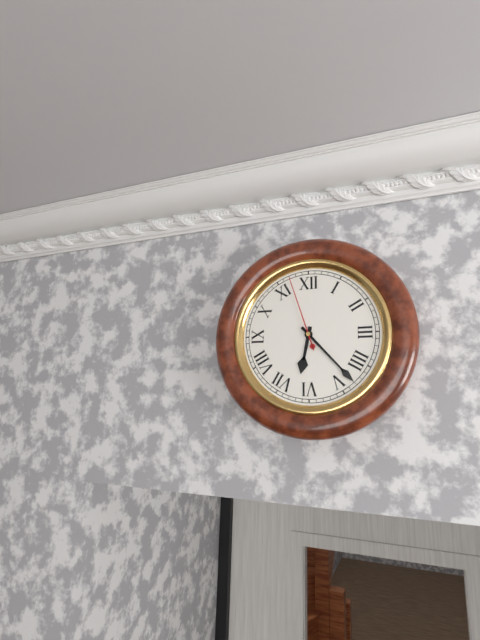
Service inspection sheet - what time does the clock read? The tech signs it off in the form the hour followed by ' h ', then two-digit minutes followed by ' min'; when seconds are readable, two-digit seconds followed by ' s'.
6 h 23 min 57 s
